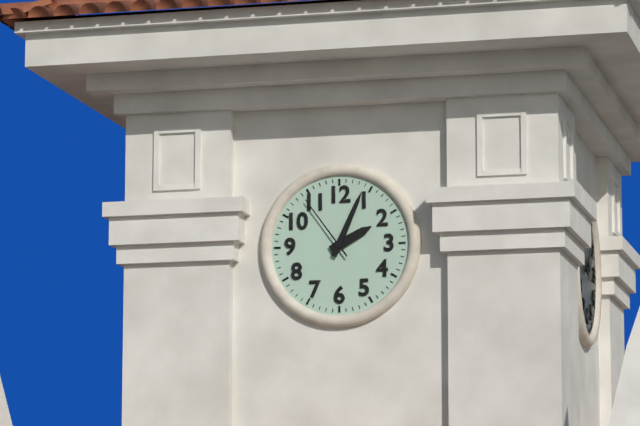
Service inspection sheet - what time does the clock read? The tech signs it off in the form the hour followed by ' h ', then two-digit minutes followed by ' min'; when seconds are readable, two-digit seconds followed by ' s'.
2 h 04 min 54 s
